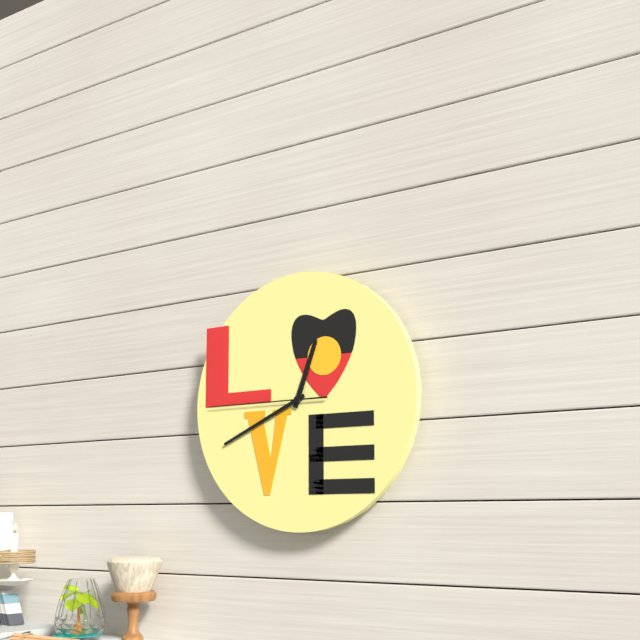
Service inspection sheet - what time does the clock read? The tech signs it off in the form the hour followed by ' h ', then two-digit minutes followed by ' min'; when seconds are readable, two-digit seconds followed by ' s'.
12 h 41 min 45 s
